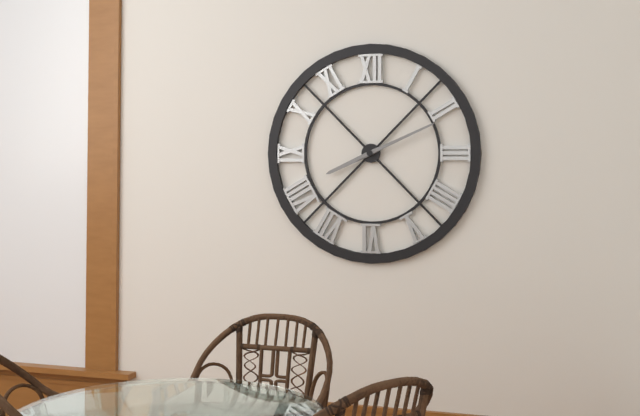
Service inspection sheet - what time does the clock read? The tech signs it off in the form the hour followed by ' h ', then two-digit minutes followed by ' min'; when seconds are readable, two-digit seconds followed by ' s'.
8 h 11 min
